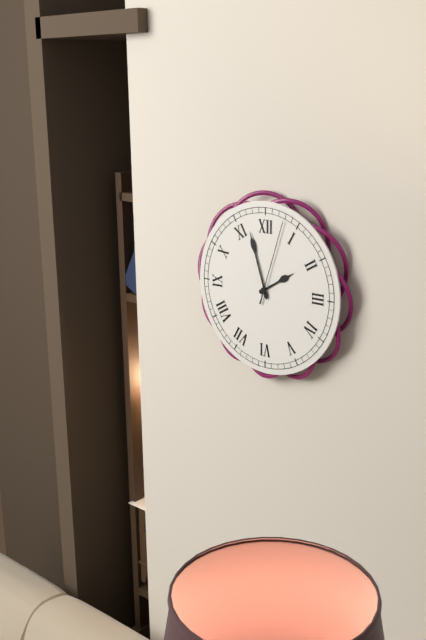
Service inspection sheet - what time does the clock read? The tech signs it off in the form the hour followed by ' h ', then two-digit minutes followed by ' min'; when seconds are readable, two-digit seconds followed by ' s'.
1 h 57 min 03 s
